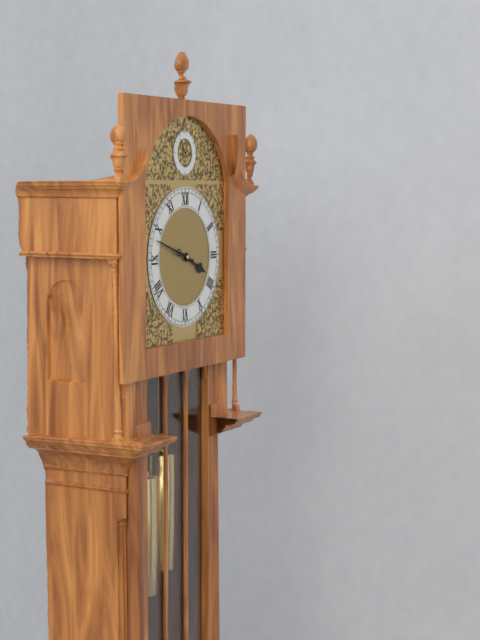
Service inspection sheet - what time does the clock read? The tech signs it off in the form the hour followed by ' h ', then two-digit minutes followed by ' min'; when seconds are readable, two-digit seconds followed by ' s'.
3 h 48 min
